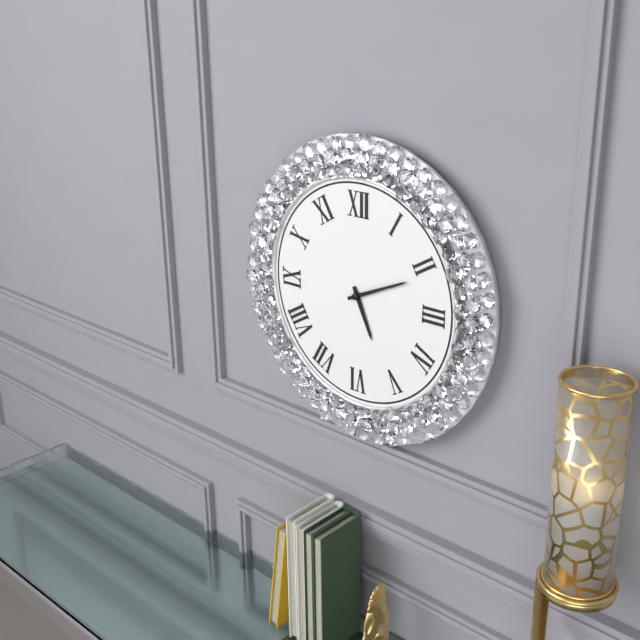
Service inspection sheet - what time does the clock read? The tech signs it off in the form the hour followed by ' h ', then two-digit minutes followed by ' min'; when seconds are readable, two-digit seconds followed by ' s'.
5 h 11 min
